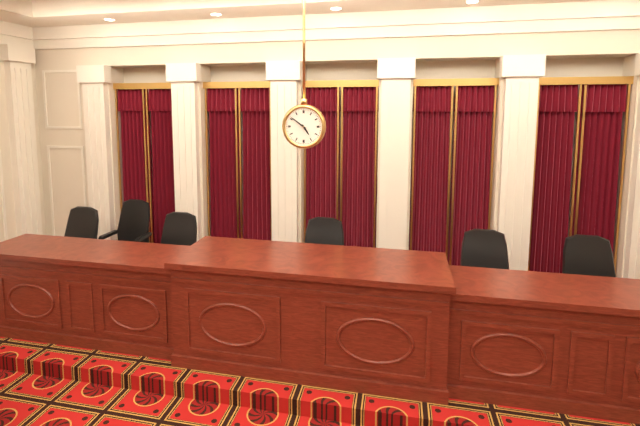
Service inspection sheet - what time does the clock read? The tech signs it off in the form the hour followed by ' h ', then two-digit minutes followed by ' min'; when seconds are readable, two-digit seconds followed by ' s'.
4 h 51 min
